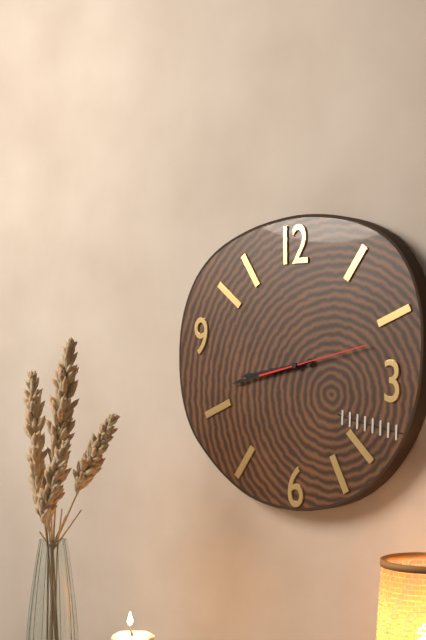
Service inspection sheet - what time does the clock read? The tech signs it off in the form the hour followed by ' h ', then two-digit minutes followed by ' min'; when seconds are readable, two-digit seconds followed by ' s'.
8 h 43 min 13 s
